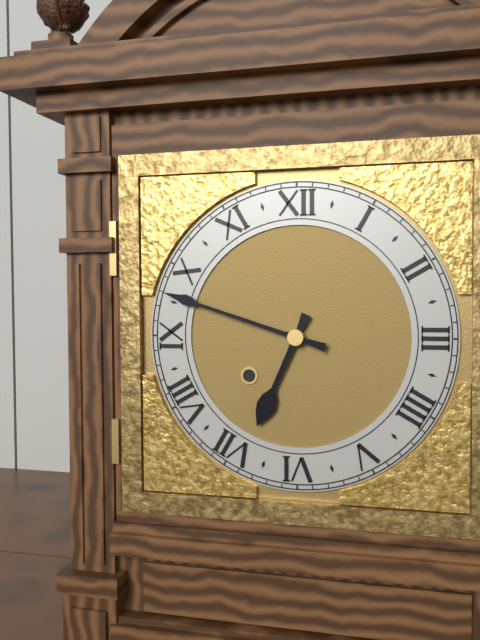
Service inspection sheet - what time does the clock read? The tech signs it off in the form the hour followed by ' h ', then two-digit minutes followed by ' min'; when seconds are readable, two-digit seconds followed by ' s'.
6 h 48 min
